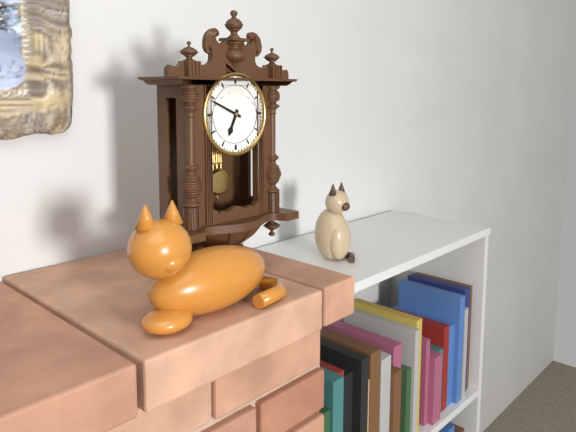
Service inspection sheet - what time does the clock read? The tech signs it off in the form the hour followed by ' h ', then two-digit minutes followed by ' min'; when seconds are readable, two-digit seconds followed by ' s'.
6 h 49 min
